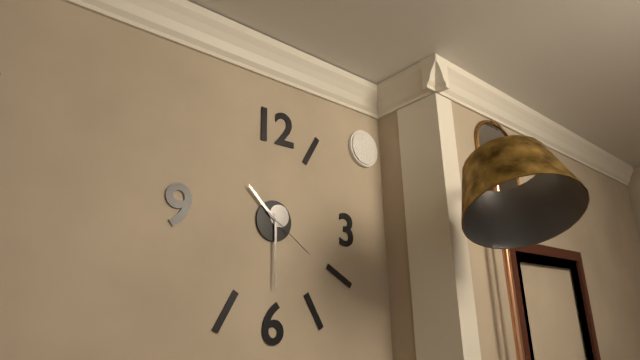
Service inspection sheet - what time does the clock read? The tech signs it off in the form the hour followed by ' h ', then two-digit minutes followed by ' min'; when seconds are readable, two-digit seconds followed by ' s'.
10 h 30 min 21 s
